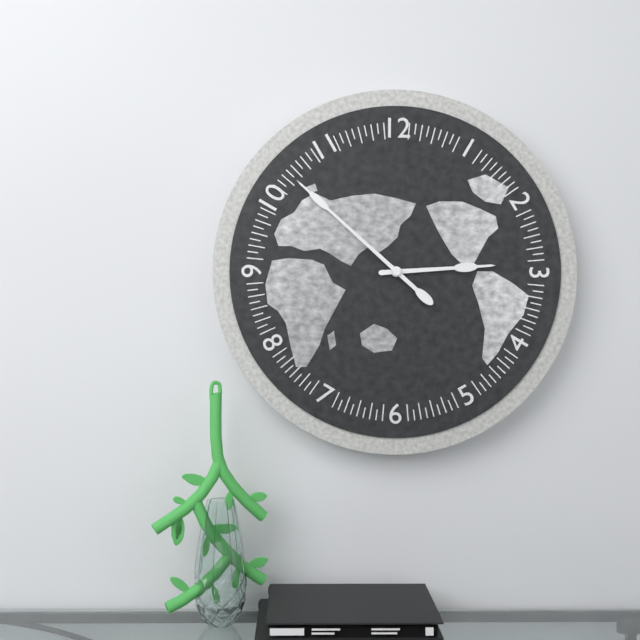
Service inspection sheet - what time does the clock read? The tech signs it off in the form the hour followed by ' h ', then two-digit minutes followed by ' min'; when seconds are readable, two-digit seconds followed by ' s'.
2 h 52 min
